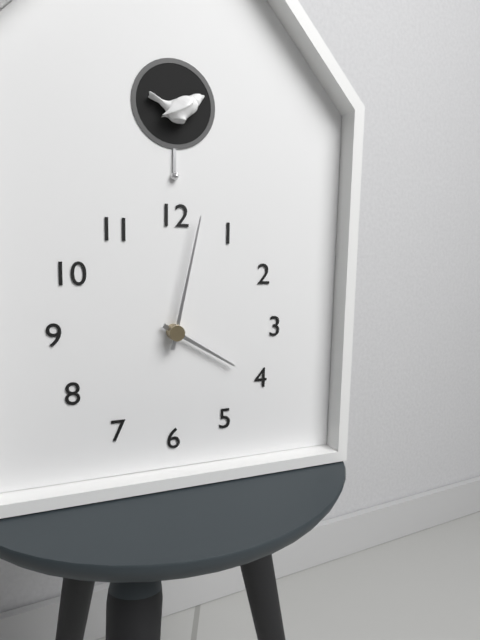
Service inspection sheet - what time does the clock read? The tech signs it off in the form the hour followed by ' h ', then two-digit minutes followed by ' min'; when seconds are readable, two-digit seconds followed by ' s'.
4 h 02 min
